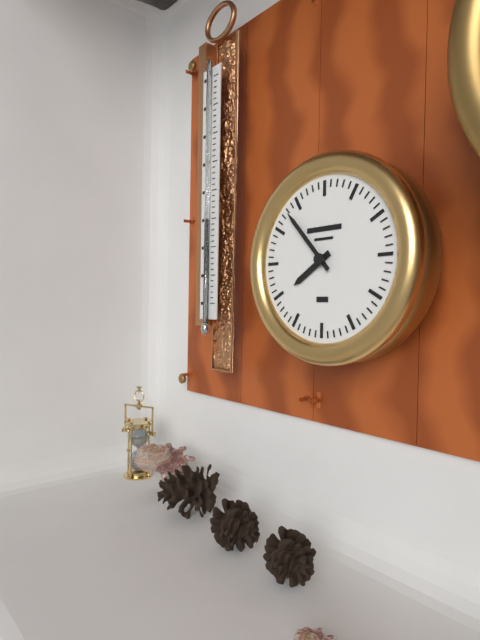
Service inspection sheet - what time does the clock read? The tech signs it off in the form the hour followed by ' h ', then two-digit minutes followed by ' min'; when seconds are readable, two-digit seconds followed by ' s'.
7 h 53 min
